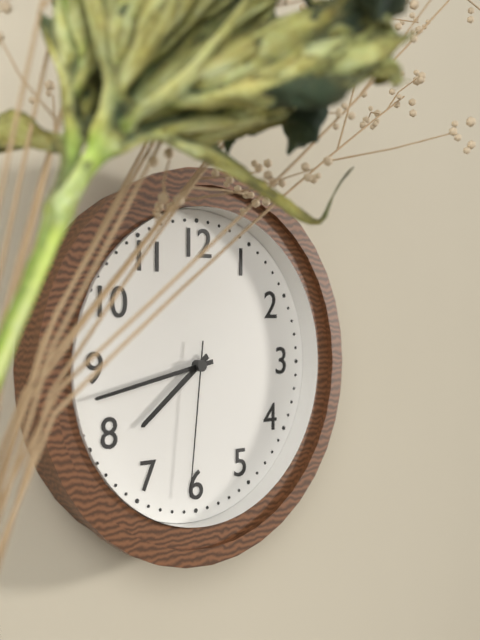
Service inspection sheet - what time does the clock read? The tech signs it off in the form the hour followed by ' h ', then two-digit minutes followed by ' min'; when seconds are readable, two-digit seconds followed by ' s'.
7 h 43 min 31 s
